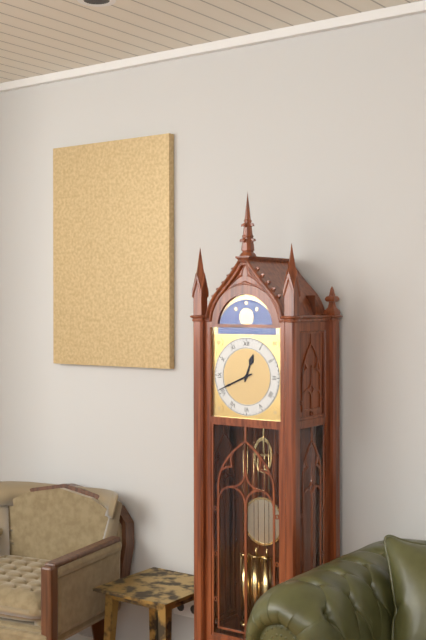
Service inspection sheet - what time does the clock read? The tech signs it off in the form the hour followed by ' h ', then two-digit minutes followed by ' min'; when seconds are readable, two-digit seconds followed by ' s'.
12 h 41 min
